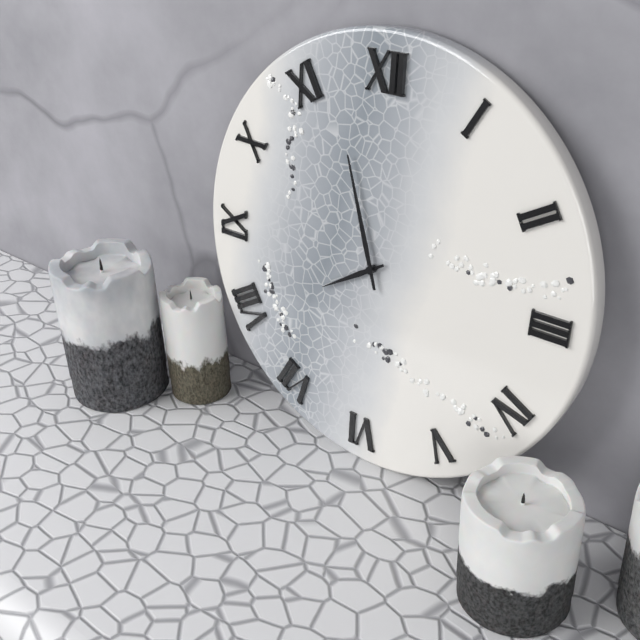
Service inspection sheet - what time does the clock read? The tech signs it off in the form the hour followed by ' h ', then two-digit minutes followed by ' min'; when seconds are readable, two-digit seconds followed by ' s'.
7 h 57 min
